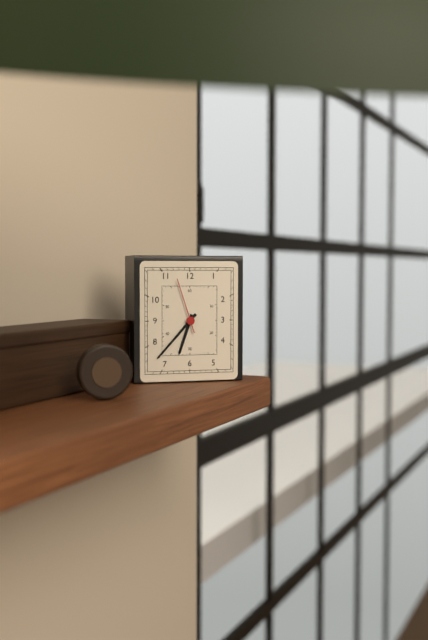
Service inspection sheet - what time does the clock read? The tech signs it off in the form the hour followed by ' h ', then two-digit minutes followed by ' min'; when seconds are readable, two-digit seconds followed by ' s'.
6 h 37 min 57 s
